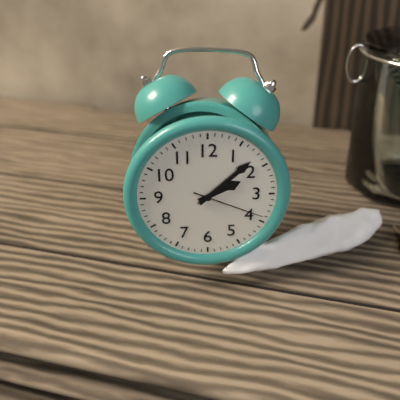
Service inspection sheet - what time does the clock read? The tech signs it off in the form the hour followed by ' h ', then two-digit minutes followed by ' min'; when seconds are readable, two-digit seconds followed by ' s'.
2 h 08 min 19 s
